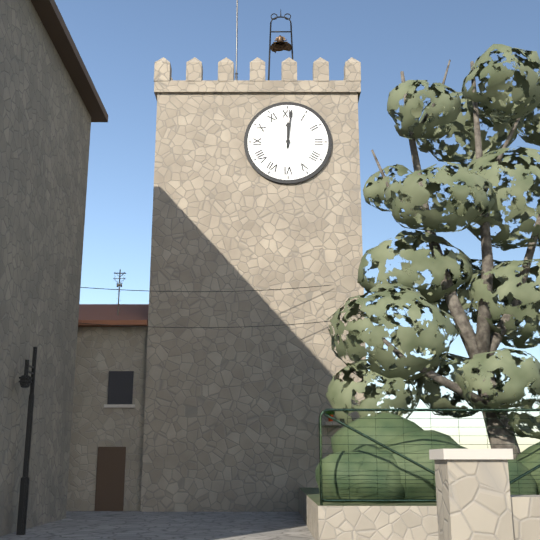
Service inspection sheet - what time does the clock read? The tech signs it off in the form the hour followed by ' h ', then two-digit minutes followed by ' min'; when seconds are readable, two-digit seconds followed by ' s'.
12 h 01 min
